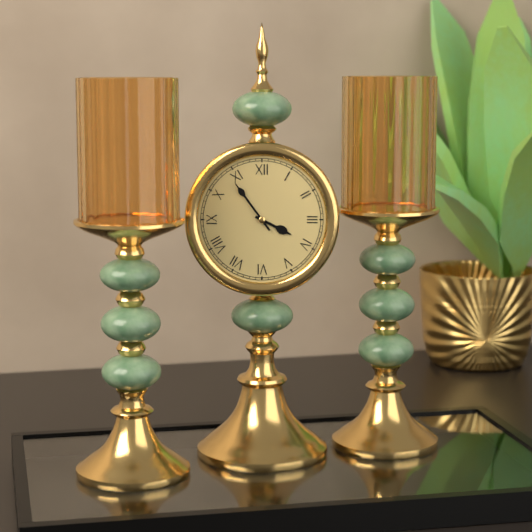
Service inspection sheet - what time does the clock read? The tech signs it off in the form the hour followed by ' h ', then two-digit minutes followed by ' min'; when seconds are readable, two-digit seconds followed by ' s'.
3 h 54 min
